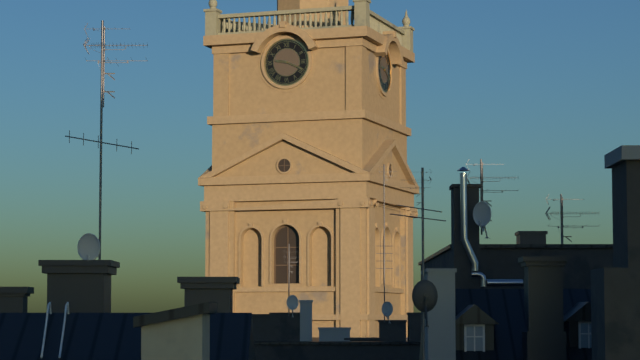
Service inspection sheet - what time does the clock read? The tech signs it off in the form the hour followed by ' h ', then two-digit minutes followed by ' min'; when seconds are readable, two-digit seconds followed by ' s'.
9 h 19 min
